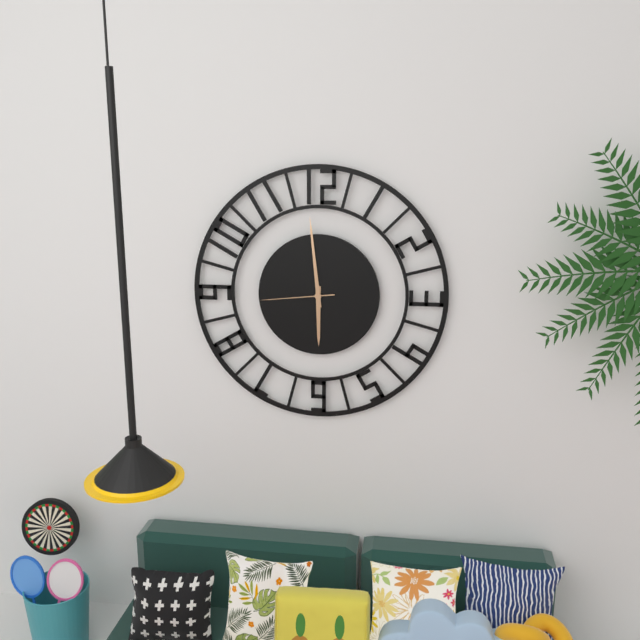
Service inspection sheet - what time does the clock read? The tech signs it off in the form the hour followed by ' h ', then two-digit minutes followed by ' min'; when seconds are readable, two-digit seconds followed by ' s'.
5 h 59 min 44 s
